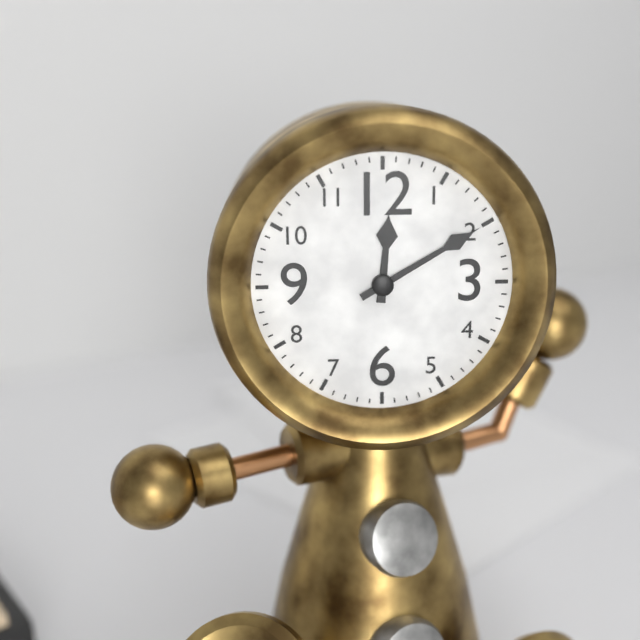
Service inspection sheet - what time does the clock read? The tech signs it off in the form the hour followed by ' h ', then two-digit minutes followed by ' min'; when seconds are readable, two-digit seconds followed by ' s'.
12 h 10 min
